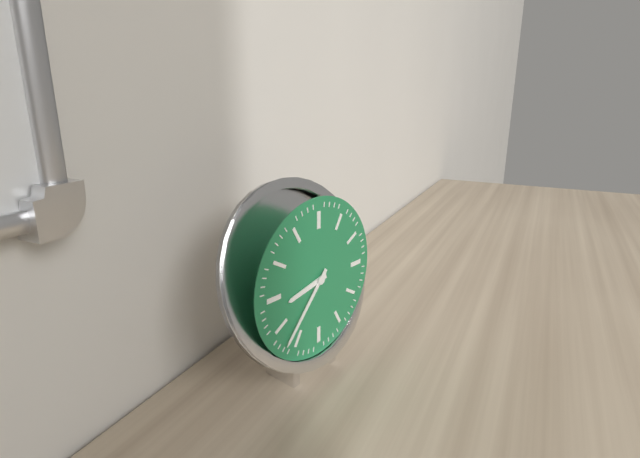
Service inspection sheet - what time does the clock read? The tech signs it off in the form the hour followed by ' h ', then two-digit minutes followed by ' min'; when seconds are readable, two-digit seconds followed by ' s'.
8 h 37 min
